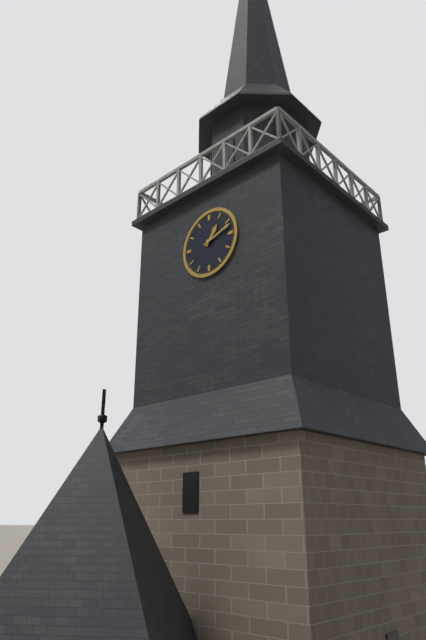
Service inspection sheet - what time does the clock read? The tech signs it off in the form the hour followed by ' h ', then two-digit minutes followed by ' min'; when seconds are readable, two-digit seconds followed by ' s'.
1 h 12 min
